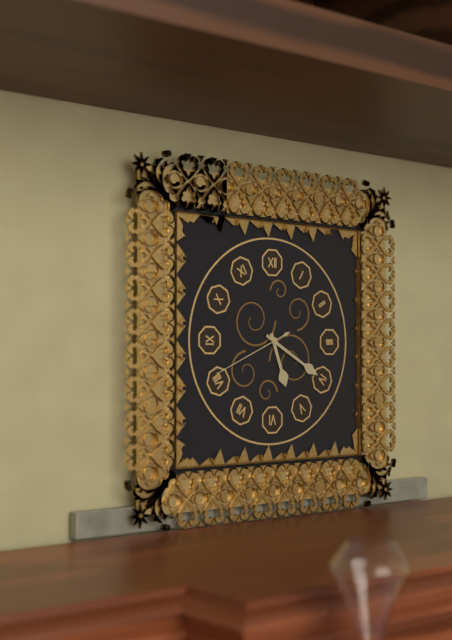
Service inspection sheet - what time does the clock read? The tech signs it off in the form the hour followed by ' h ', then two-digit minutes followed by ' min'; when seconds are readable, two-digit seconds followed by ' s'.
5 h 20 min 41 s
